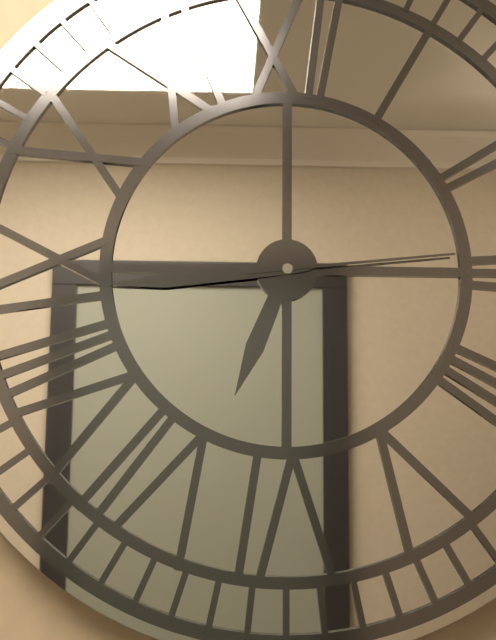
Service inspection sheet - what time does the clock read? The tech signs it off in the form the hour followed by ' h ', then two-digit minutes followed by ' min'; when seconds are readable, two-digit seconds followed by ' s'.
6 h 44 min 14 s
